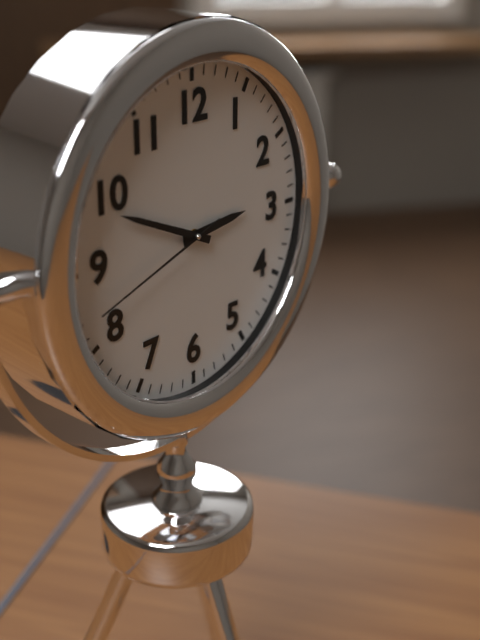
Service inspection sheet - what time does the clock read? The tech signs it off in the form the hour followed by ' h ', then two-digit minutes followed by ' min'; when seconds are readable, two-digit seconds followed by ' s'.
2 h 49 min 42 s
